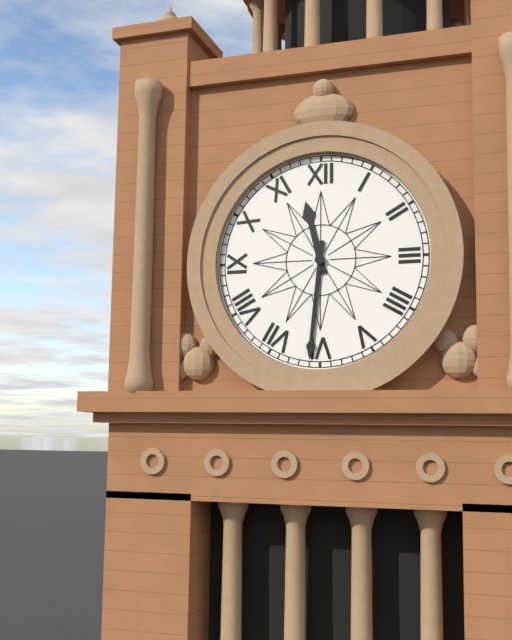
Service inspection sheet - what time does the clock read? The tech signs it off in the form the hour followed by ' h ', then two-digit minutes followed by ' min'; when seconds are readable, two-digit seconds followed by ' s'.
11 h 31 min
